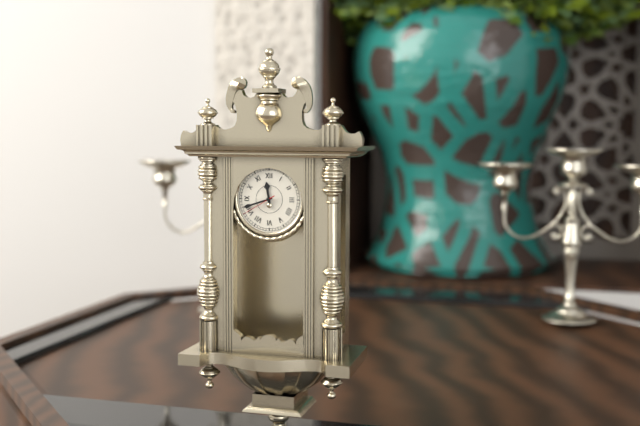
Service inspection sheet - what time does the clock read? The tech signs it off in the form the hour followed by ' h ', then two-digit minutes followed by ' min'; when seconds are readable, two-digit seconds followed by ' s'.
11 h 42 min
